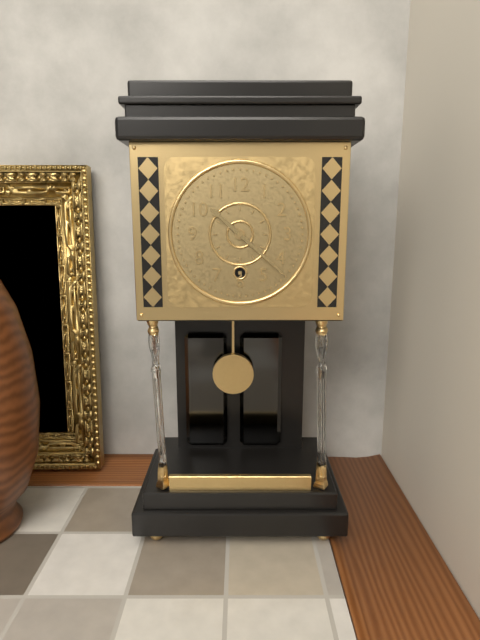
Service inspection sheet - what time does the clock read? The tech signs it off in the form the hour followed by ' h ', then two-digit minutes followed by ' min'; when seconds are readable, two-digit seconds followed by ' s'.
10 h 22 min
